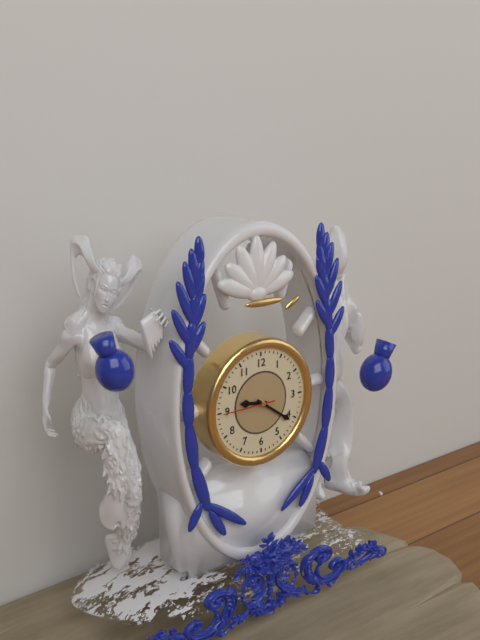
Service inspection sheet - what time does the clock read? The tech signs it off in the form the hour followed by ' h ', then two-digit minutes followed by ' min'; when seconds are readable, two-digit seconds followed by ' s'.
9 h 21 min 45 s
